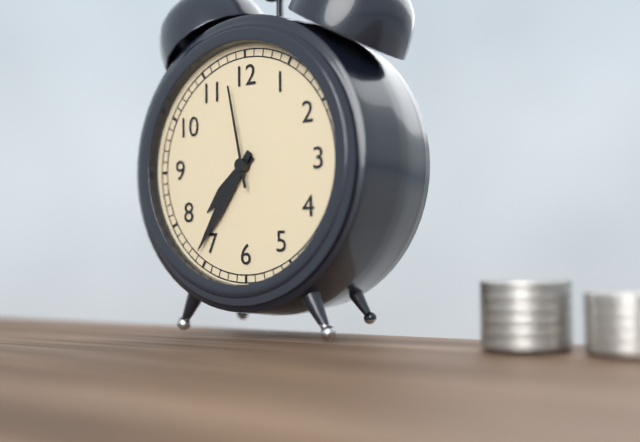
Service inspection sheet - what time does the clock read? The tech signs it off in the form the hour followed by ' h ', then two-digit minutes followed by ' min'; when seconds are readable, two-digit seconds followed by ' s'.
7 h 36 min 58 s
